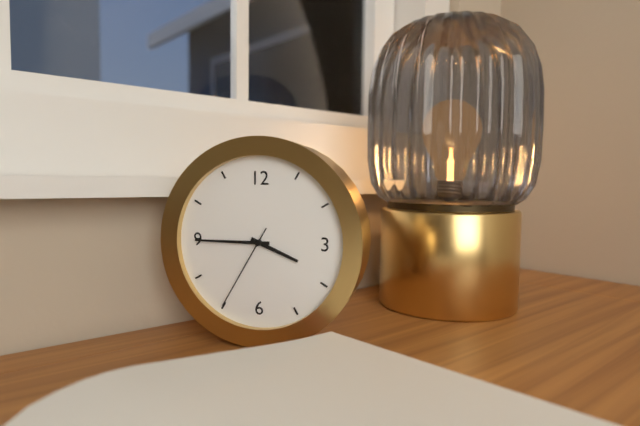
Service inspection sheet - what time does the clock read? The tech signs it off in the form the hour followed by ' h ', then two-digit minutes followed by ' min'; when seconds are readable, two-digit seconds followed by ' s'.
3 h 45 min 35 s
